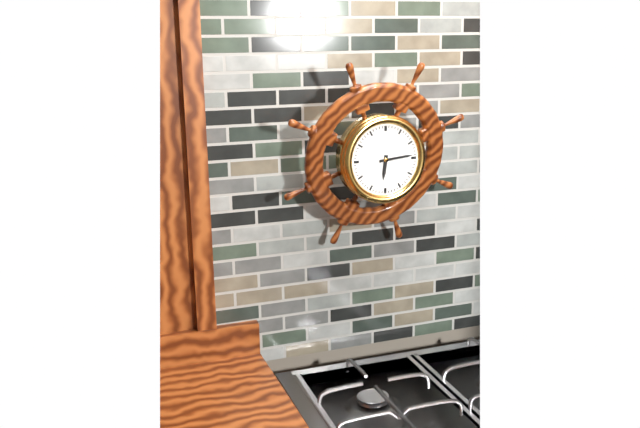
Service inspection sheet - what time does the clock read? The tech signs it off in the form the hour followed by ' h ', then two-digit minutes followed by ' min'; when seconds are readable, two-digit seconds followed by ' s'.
6 h 14 min
